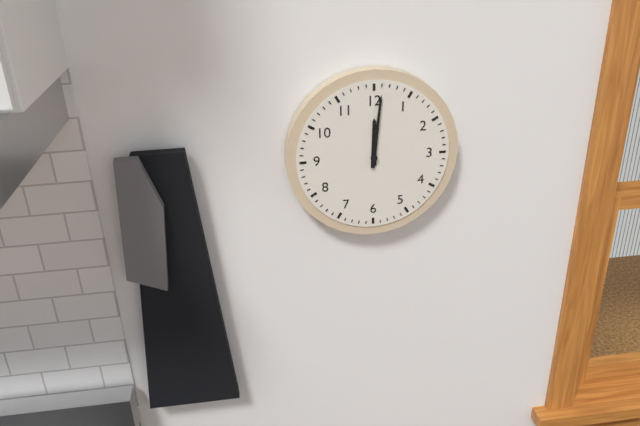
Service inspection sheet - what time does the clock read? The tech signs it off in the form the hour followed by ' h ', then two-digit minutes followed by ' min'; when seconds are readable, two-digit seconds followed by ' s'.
12 h 01 min
